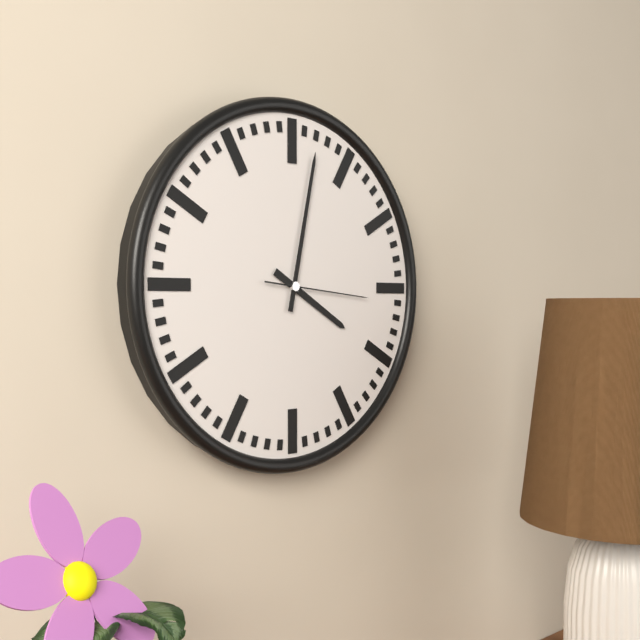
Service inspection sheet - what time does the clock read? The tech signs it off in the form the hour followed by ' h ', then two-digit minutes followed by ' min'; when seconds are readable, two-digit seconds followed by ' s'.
4 h 02 min 16 s
